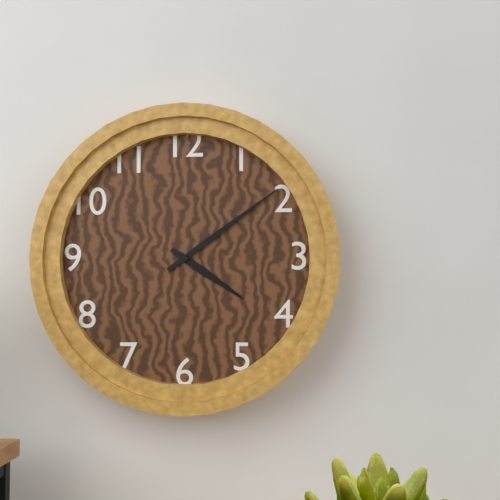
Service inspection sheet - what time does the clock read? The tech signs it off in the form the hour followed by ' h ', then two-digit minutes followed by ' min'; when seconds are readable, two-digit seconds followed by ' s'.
4 h 09 min
